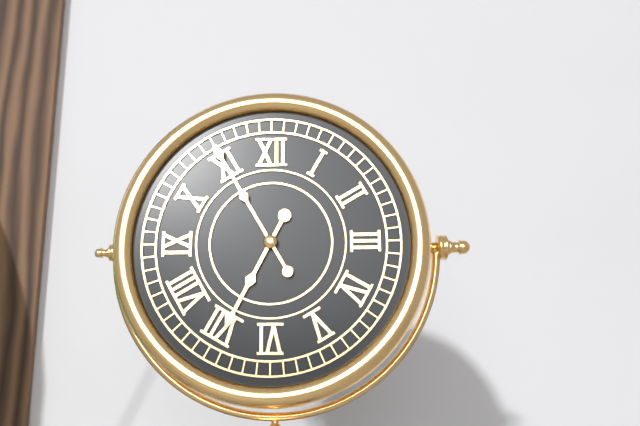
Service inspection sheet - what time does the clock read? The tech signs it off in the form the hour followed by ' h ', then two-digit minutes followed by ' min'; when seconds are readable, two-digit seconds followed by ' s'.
6 h 55 min
